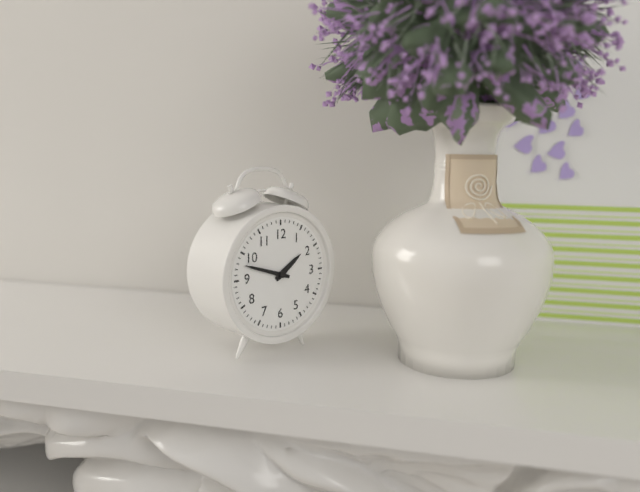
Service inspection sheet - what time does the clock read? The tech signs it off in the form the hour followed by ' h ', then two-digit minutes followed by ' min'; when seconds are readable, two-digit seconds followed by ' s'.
1 h 48 min
